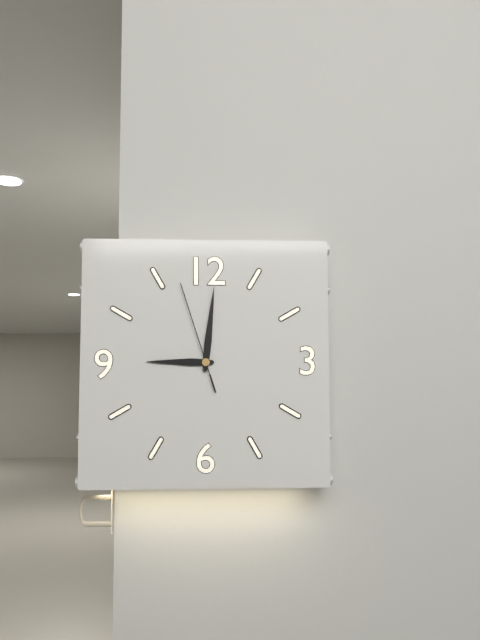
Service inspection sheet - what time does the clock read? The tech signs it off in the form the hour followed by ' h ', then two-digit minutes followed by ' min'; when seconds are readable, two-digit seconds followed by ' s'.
9 h 01 min 57 s
